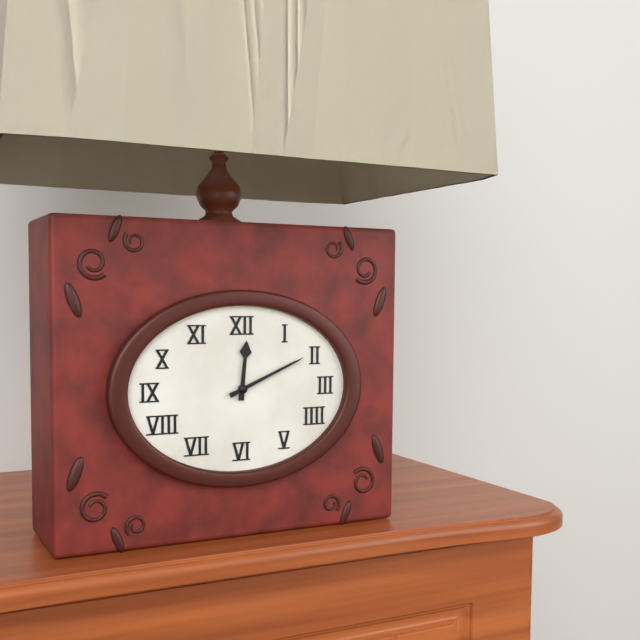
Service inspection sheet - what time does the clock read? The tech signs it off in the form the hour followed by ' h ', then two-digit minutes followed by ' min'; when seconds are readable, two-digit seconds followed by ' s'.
12 h 11 min
